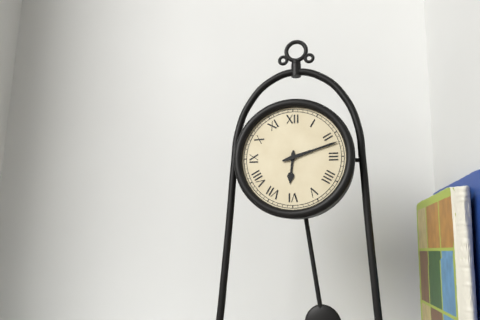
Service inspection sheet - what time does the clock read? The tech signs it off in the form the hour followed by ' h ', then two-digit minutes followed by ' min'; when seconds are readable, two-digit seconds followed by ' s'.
6 h 12 min
